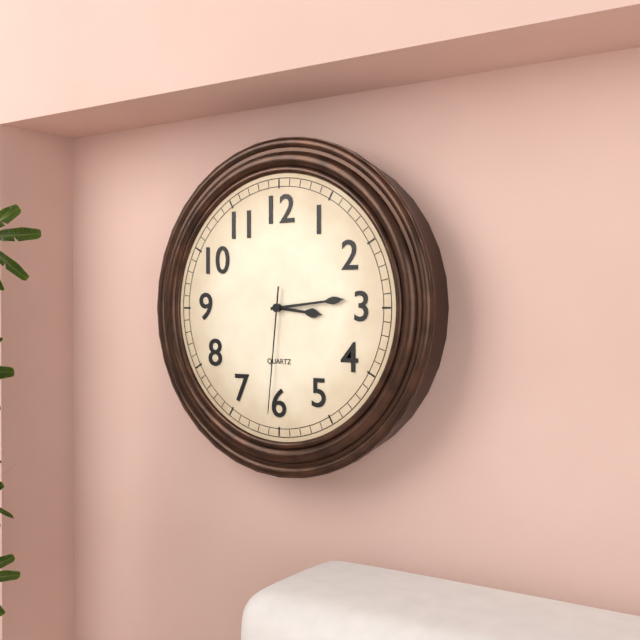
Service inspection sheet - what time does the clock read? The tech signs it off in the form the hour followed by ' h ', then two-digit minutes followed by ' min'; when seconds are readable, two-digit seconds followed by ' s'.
3 h 14 min 31 s
